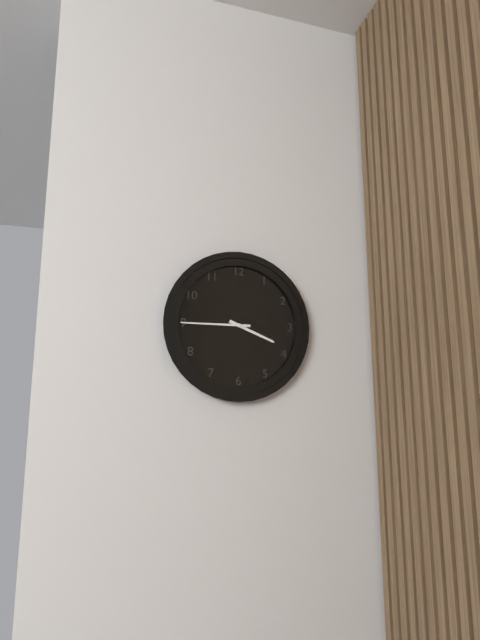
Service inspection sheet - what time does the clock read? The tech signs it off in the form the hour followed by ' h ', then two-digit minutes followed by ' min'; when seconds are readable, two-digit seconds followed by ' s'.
3 h 45 min
